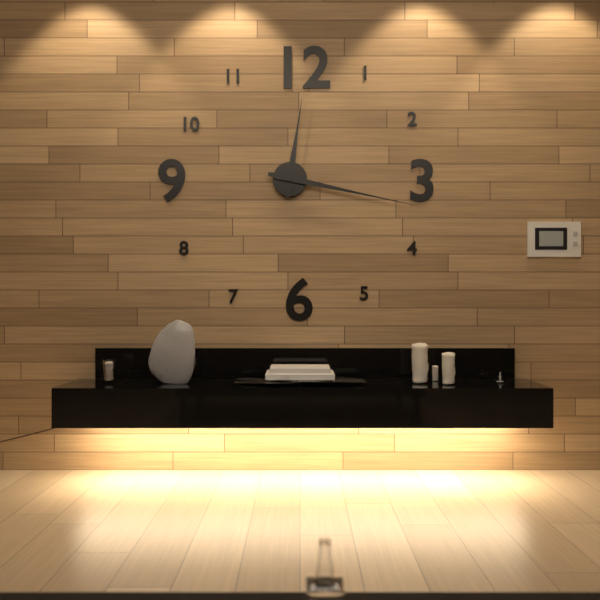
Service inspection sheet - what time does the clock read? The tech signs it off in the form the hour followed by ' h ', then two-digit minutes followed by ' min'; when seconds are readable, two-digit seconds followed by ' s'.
12 h 17 min
